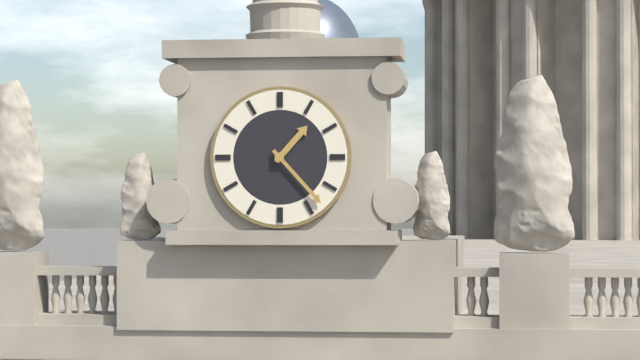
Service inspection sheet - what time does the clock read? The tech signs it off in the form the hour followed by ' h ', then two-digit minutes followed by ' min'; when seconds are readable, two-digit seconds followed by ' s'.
1 h 23 min
